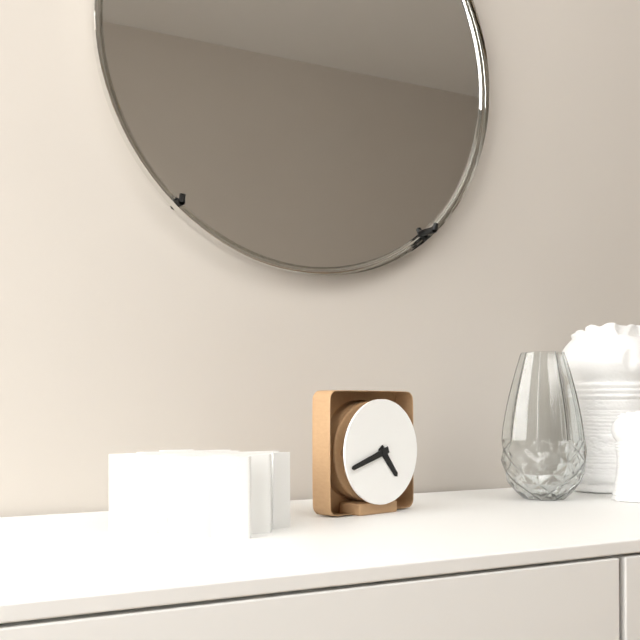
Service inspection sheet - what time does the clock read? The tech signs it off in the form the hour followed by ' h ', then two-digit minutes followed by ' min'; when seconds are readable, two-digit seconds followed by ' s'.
4 h 42 min
